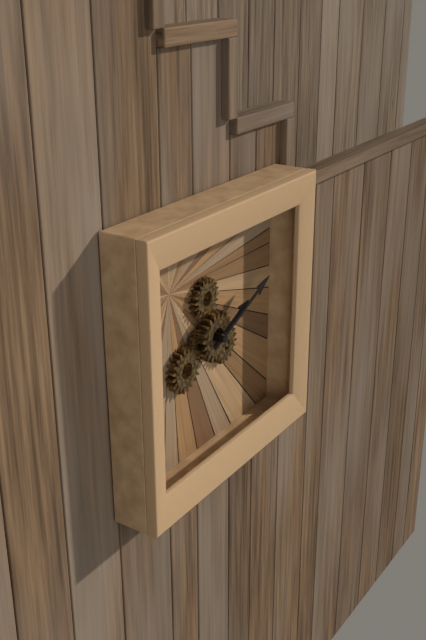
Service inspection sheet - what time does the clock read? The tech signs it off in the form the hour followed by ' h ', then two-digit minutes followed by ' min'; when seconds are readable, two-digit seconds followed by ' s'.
2 h 11 min
